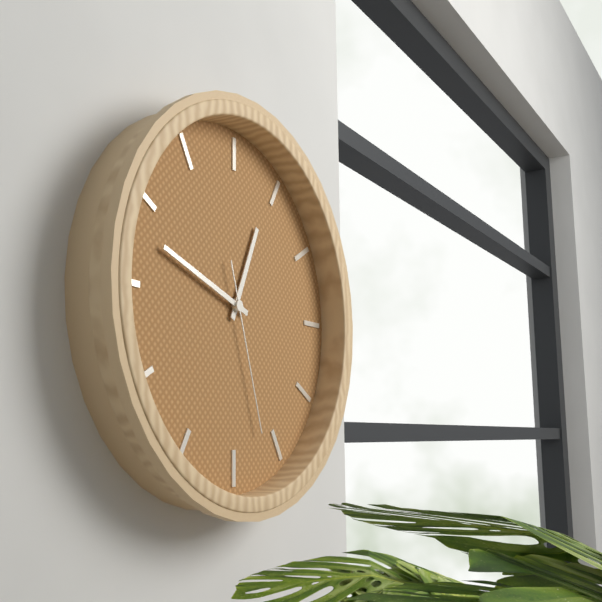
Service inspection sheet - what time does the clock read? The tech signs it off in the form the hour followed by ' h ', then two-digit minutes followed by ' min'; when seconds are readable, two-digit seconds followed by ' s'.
12 h 48 min 27 s
